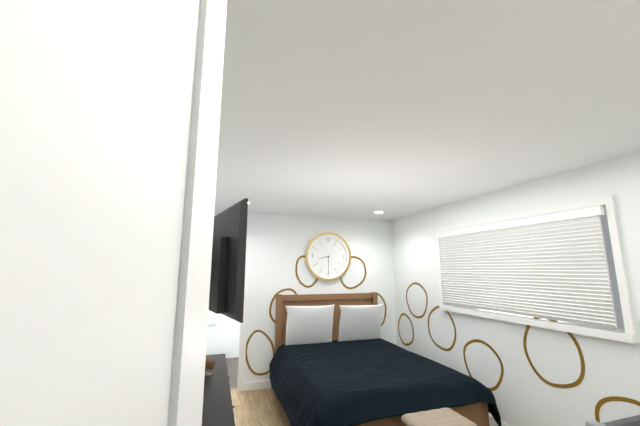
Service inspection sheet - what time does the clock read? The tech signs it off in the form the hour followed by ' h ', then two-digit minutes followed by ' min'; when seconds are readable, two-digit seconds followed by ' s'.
8 h 30 min
